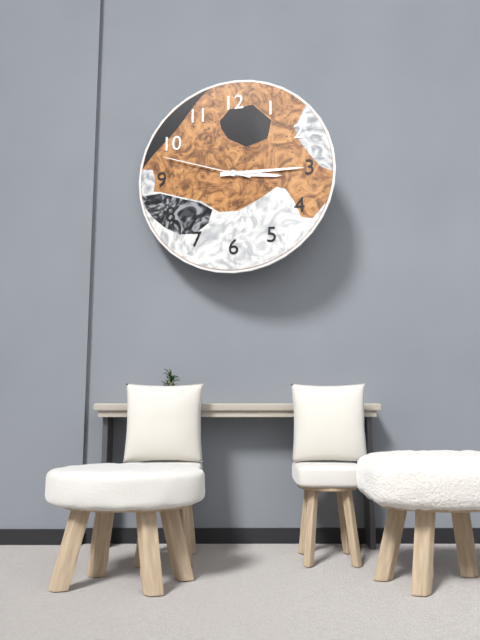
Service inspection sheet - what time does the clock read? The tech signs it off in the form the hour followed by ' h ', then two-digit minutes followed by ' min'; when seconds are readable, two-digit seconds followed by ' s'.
3 h 15 min 48 s
